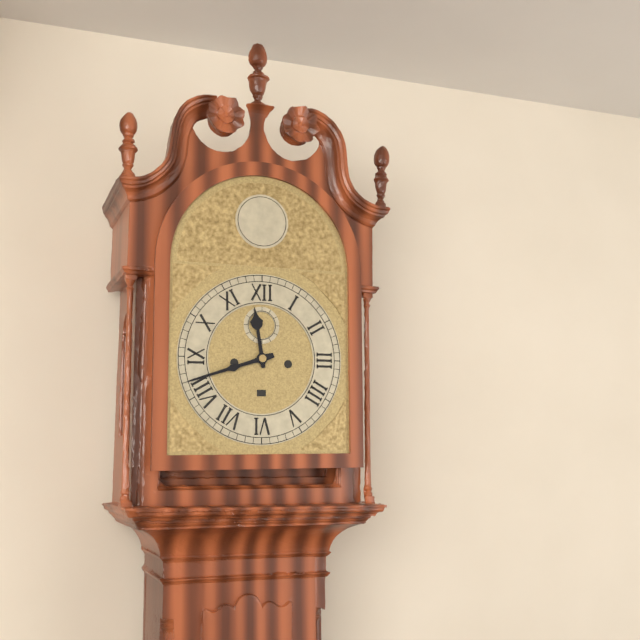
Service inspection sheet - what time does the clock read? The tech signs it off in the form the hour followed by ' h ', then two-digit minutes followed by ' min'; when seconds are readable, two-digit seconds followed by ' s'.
11 h 42 min
